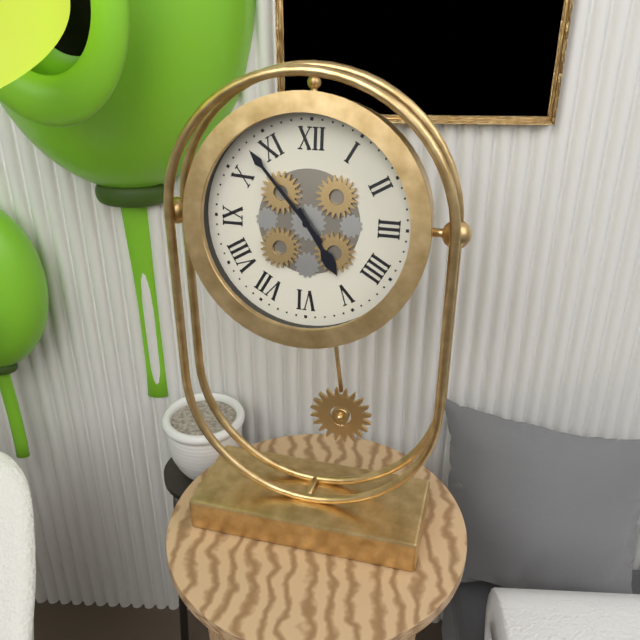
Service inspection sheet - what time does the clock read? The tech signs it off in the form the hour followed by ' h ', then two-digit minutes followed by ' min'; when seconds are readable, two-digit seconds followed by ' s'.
4 h 53 min
